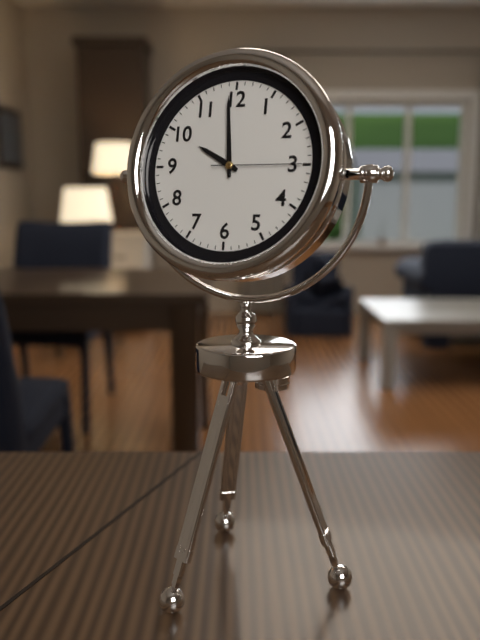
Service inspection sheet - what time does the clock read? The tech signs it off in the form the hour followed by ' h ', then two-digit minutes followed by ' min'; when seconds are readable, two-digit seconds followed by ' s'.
9 h 59 min 15 s
